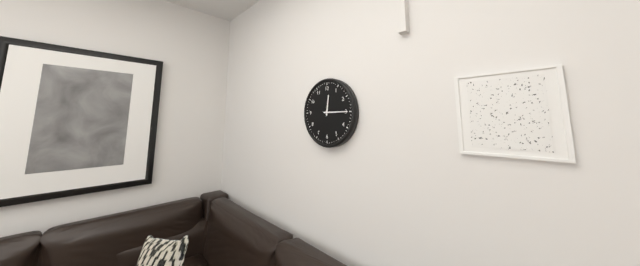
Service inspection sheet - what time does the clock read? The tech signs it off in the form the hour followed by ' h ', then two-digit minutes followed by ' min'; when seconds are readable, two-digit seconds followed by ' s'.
12 h 15 min
